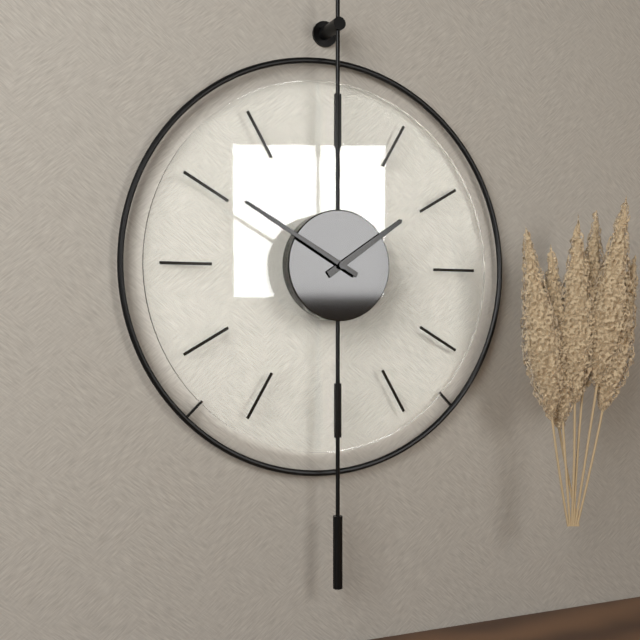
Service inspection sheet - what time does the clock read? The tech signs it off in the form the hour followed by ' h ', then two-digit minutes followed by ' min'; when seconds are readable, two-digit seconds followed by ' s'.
1 h 50 min
